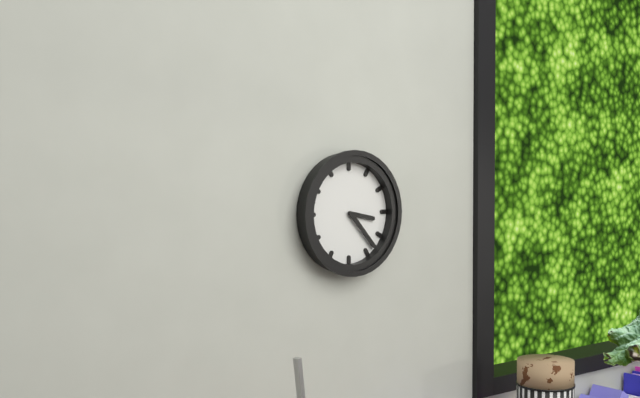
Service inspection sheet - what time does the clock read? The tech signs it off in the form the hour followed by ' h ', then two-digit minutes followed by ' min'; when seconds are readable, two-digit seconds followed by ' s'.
3 h 23 min
